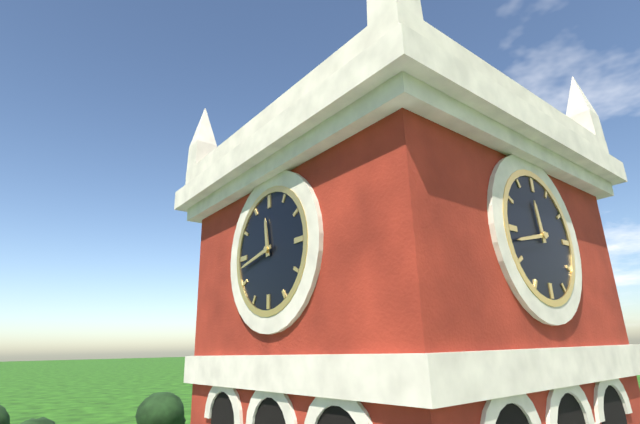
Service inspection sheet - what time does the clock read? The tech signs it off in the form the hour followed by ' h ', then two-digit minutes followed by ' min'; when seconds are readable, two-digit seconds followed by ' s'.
11 h 43 min
